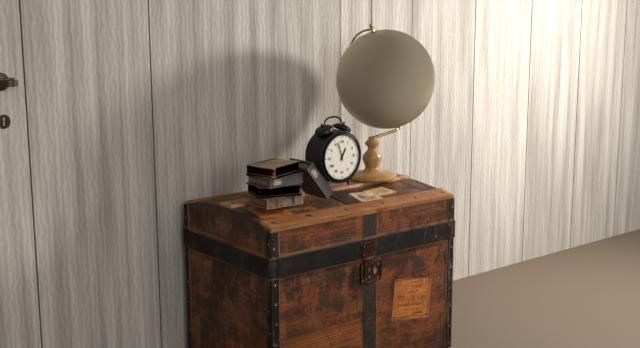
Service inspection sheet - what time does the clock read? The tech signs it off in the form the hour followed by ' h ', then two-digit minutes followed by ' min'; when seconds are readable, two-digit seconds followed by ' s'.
12 h 57 min
